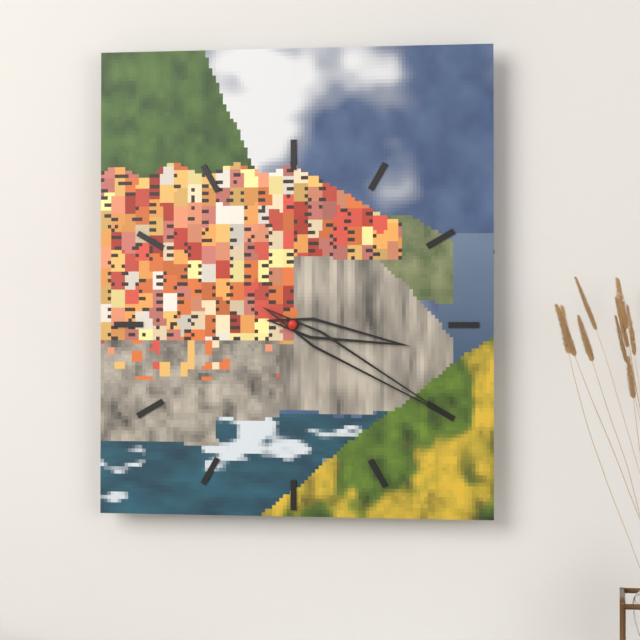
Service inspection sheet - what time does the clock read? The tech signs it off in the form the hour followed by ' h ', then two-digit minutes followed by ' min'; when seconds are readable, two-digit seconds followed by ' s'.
3 h 20 min
